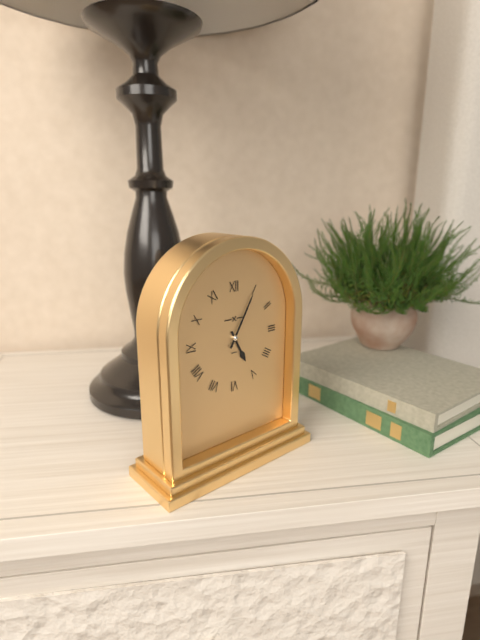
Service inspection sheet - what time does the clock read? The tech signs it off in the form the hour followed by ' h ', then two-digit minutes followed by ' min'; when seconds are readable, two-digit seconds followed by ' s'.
5 h 05 min
